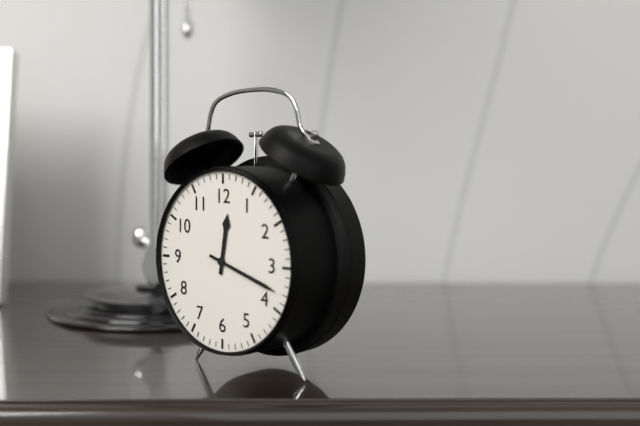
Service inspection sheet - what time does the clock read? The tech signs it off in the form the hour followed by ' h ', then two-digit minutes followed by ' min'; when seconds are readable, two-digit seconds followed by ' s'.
12 h 18 min
